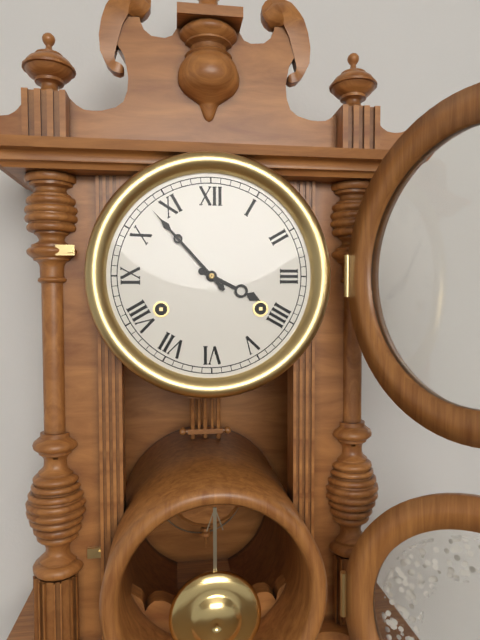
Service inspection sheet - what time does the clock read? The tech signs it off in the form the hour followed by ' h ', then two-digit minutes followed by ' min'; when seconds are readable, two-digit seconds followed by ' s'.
3 h 53 min
